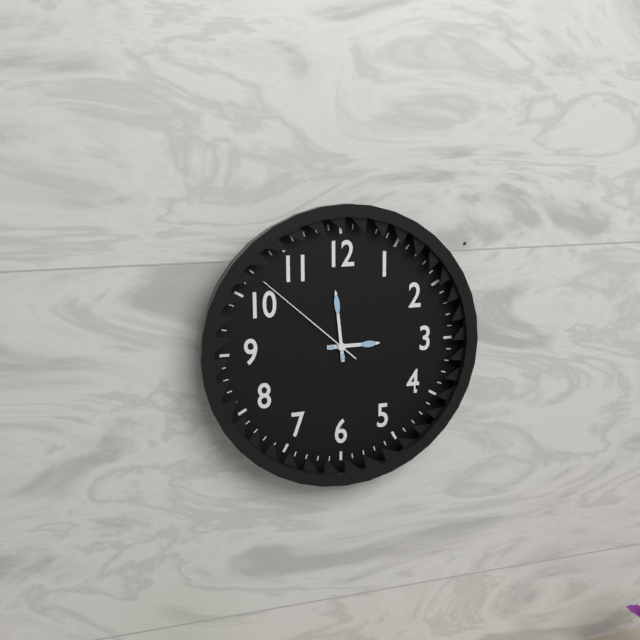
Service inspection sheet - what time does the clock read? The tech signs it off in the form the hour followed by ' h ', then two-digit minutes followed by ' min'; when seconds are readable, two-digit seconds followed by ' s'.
2 h 59 min 52 s
